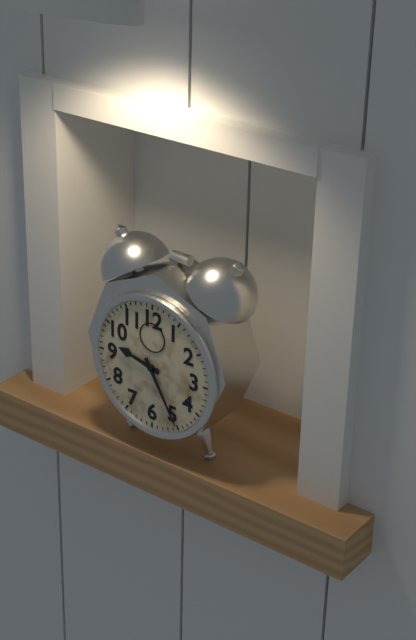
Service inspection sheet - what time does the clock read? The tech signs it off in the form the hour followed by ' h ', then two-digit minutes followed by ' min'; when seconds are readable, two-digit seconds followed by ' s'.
9 h 25 min
